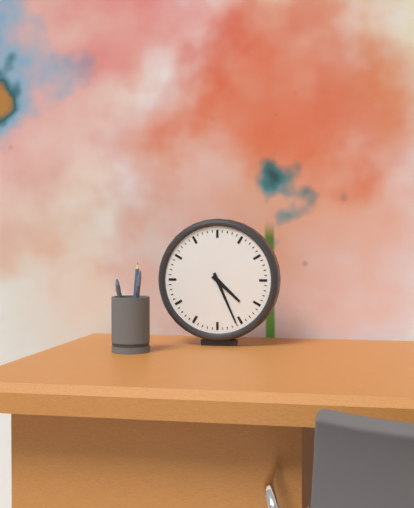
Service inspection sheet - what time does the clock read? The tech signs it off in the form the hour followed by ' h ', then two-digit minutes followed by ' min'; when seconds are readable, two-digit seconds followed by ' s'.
4 h 26 min
